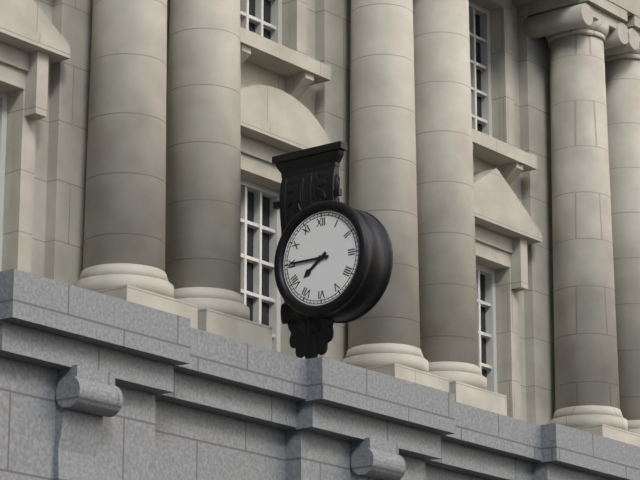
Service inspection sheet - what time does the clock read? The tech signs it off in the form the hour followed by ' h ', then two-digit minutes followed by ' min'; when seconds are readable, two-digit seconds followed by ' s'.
7 h 45 min
